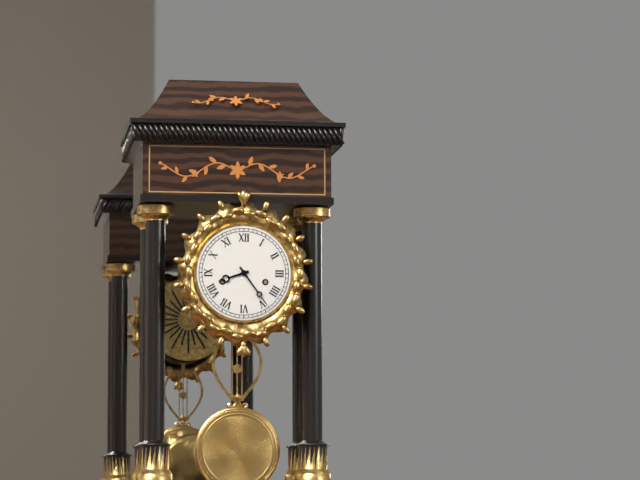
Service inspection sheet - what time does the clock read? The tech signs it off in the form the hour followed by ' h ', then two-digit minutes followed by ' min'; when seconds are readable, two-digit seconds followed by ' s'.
8 h 24 min
